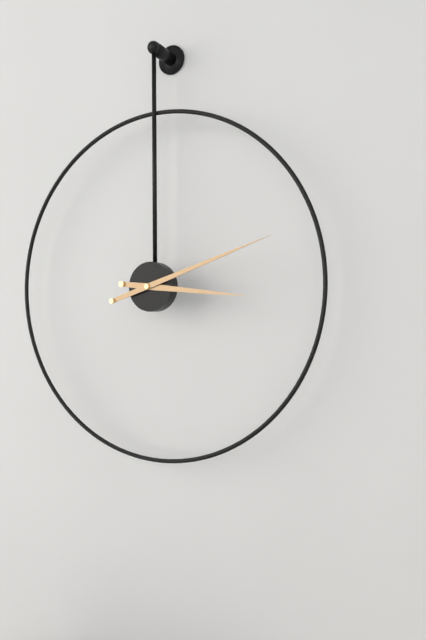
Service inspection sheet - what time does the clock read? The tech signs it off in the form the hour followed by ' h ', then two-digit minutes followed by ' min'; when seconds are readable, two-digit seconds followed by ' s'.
3 h 12 min
